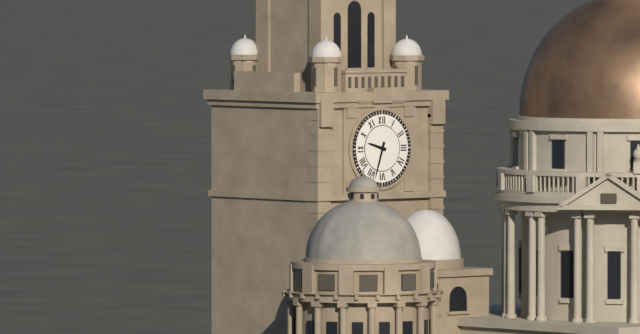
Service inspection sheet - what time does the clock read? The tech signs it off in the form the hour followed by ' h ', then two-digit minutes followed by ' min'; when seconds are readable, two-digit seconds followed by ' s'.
9 h 33 min
